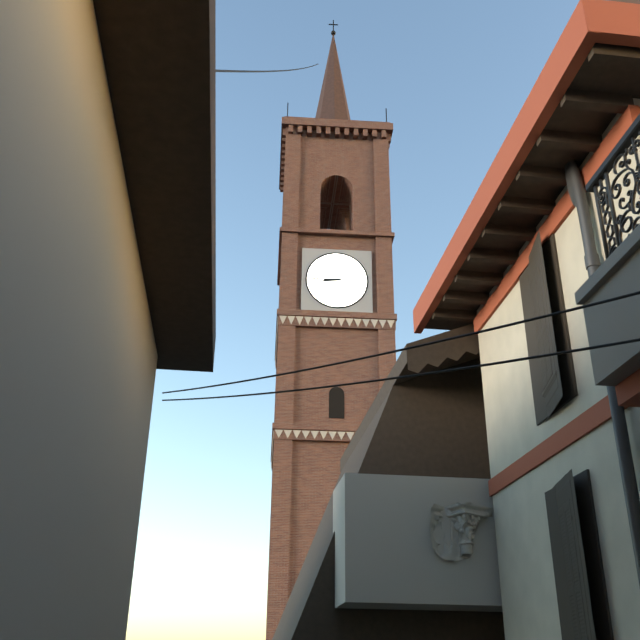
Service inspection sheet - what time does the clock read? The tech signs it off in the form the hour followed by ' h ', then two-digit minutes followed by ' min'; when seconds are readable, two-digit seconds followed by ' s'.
8 h 45 min
